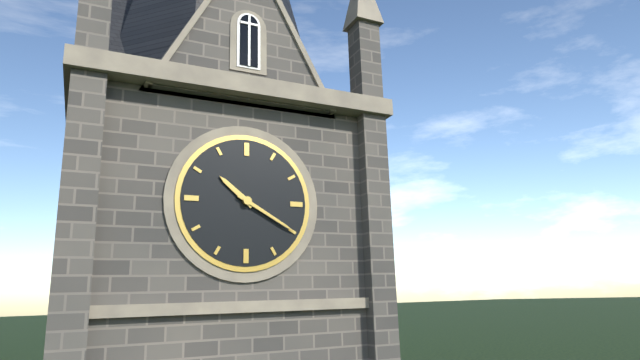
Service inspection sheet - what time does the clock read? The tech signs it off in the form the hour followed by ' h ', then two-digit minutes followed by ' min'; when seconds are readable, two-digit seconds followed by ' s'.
10 h 20 min
